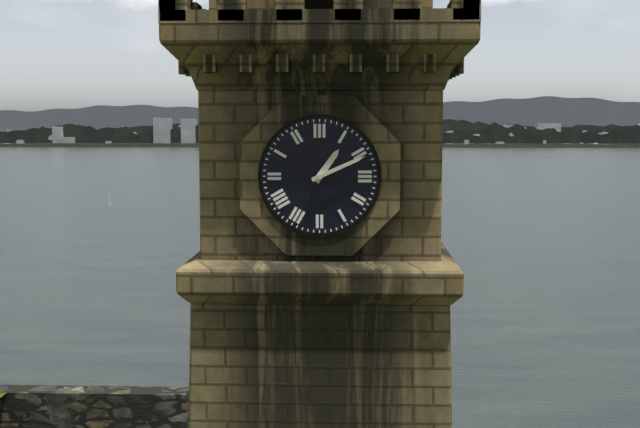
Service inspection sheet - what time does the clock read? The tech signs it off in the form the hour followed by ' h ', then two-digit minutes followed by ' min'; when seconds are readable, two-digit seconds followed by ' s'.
1 h 11 min
